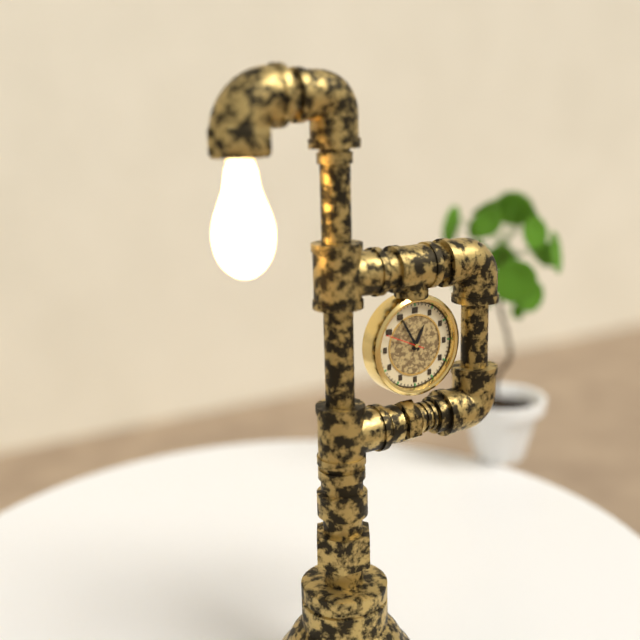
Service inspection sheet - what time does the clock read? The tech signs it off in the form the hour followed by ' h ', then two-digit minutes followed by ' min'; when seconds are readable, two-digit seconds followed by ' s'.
12 h 55 min
